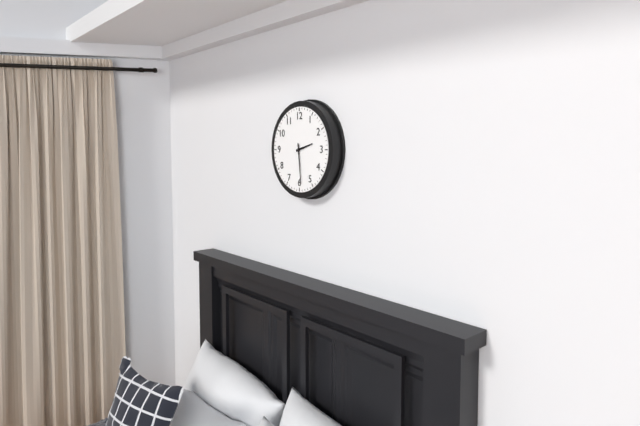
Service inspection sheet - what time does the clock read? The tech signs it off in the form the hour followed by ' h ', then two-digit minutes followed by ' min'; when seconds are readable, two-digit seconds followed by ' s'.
2 h 29 min
